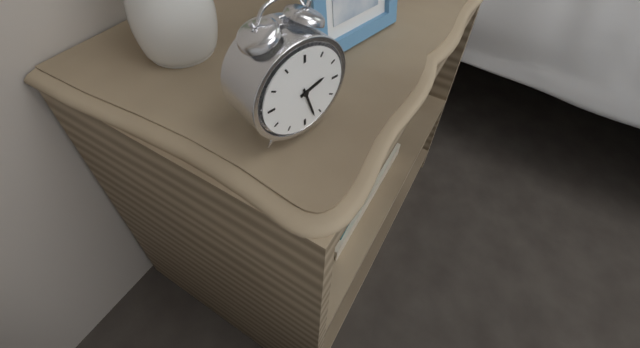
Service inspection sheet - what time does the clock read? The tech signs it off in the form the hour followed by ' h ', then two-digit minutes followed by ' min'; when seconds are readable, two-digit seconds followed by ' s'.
2 h 27 min
